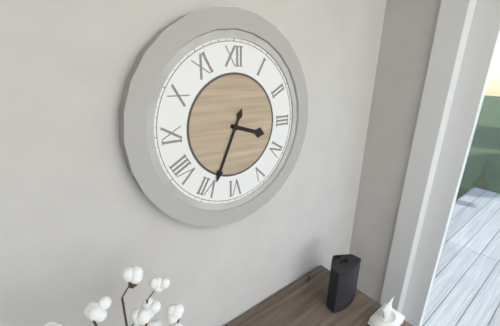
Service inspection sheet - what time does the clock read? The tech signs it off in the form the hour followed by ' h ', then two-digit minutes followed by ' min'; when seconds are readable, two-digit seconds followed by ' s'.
3 h 34 min
